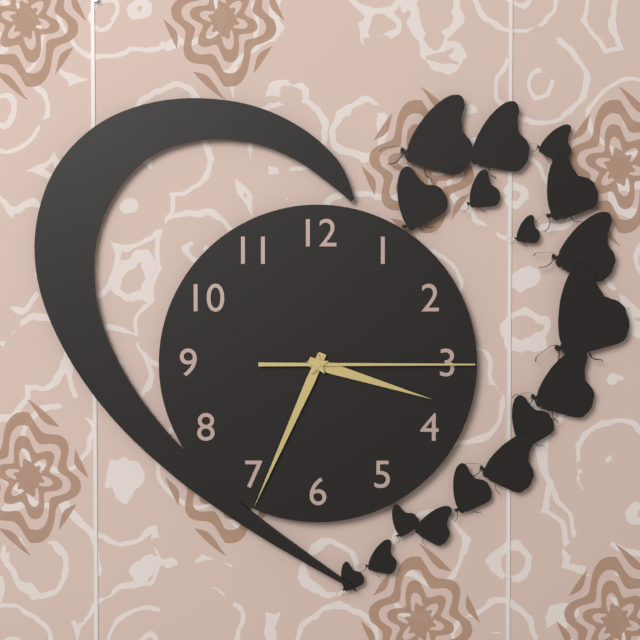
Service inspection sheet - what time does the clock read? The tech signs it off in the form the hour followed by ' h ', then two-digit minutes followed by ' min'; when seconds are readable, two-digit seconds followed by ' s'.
3 h 34 min 15 s
